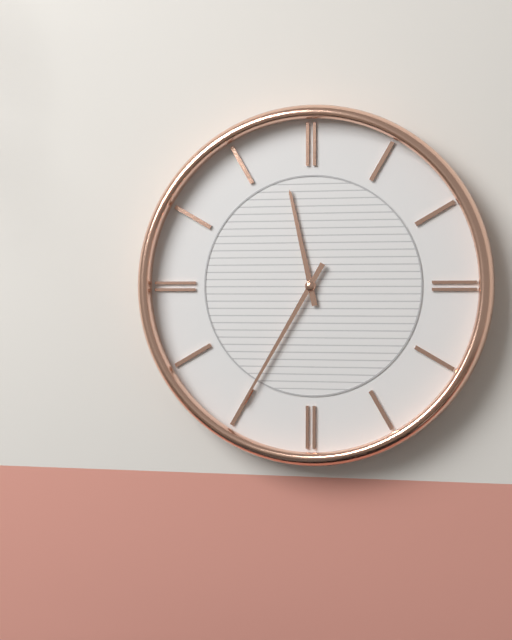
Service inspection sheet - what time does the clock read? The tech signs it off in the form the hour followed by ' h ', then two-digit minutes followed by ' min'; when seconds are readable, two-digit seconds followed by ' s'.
11 h 35 min
